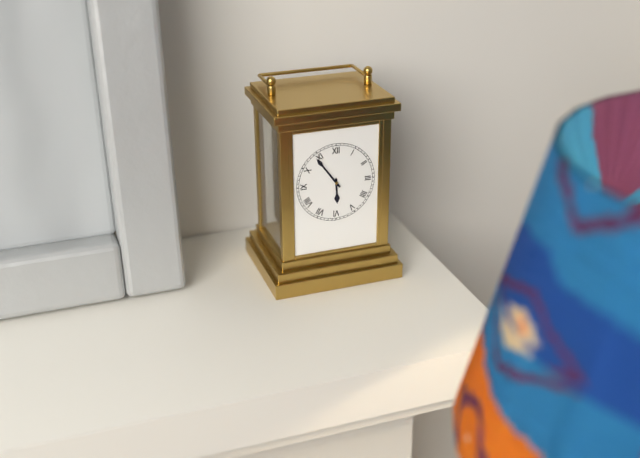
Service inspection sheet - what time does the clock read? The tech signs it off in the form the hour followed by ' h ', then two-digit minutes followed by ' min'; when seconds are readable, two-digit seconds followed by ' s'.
5 h 54 min
